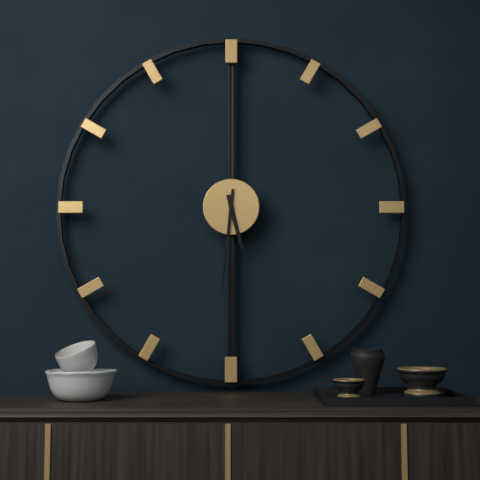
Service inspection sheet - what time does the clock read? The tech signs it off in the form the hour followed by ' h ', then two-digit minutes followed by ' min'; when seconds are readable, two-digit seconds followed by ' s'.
5 h 31 min
